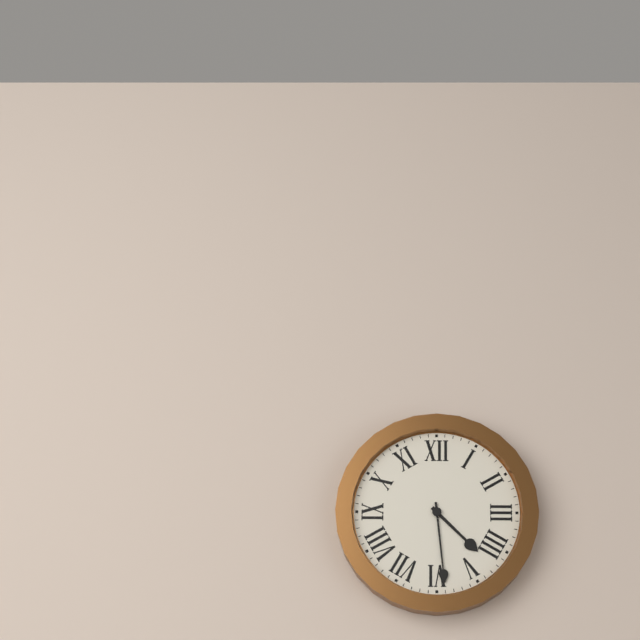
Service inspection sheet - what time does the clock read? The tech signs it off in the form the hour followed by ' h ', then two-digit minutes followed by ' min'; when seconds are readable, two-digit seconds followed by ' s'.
4 h 29 min
